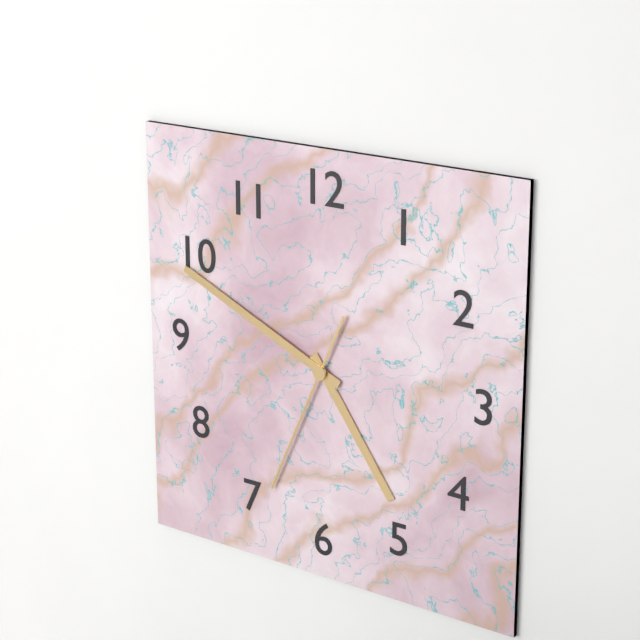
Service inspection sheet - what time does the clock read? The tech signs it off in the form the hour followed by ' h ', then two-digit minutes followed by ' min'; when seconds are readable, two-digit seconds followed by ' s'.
4 h 49 min 34 s
